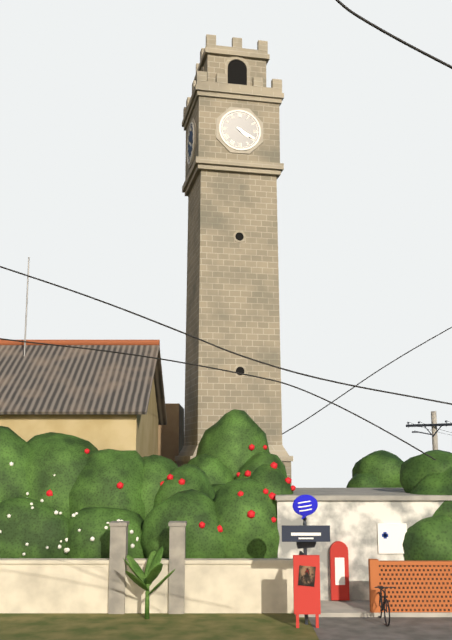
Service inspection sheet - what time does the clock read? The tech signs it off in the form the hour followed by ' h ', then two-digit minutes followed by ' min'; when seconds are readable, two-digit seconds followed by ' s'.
4 h 20 min
